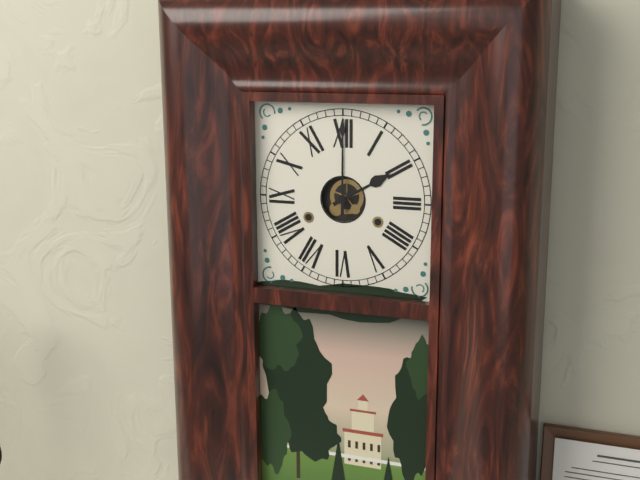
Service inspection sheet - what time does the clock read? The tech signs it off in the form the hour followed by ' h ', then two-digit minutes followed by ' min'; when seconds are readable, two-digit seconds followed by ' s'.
2 h 00 min
